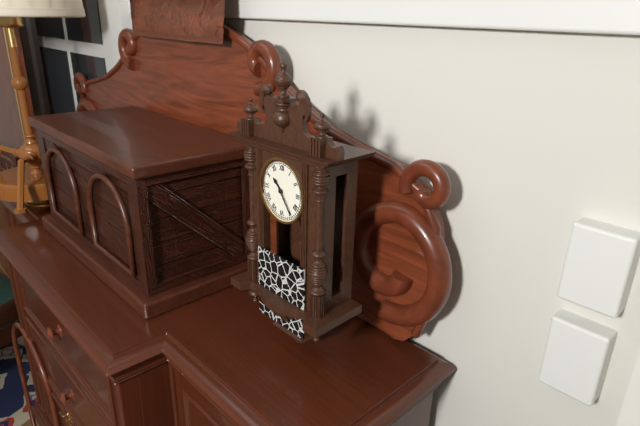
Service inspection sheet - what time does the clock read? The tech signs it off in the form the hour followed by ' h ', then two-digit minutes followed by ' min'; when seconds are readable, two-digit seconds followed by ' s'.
10 h 24 min
